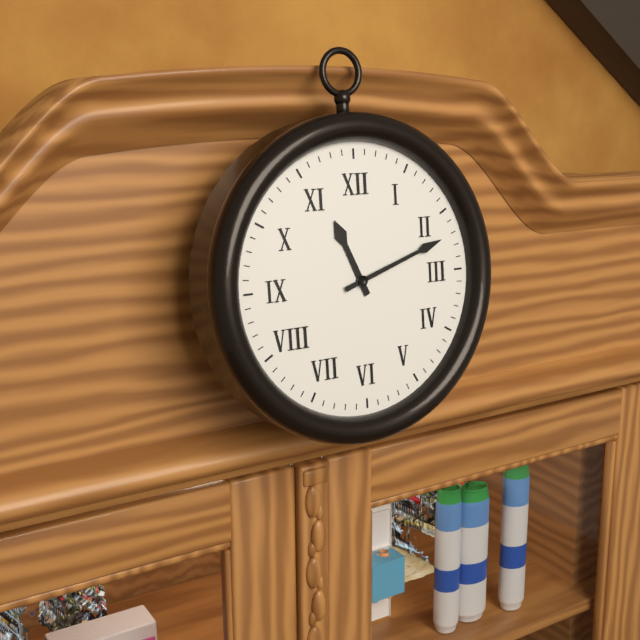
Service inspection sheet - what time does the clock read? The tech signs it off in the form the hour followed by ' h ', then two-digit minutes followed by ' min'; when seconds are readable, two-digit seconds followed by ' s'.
11 h 12 min
